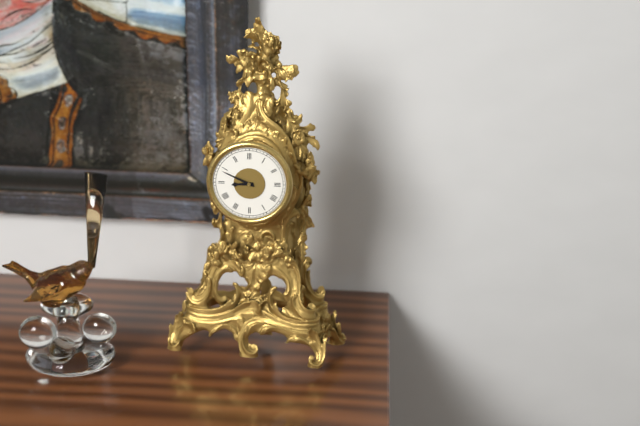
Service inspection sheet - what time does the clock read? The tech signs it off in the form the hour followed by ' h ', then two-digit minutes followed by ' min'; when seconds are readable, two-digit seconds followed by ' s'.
8 h 49 min
